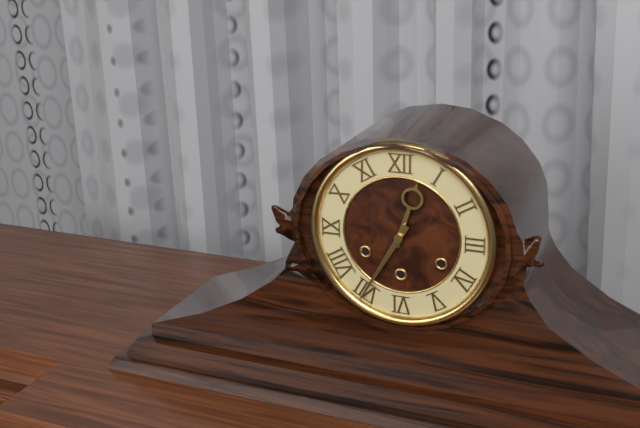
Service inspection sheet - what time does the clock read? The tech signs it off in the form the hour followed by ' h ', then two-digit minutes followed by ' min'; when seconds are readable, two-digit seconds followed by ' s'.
12 h 35 min
